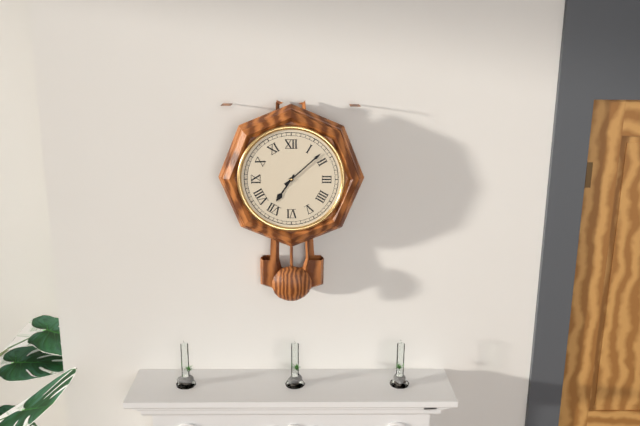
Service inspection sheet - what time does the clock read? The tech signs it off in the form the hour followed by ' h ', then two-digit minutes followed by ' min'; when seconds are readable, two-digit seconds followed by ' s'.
7 h 08 min
